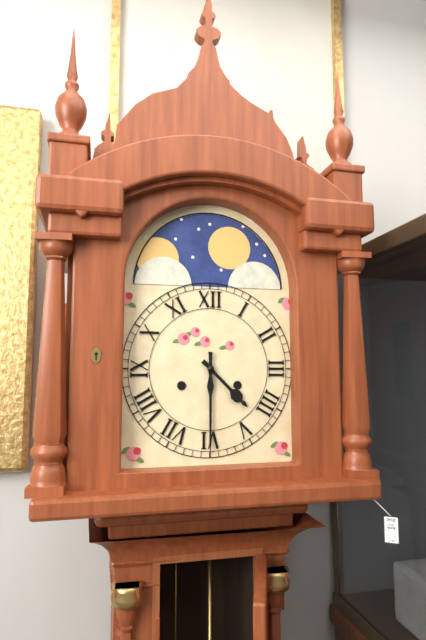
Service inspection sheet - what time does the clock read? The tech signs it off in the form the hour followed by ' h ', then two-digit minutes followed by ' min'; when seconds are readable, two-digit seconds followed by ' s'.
4 h 30 min
